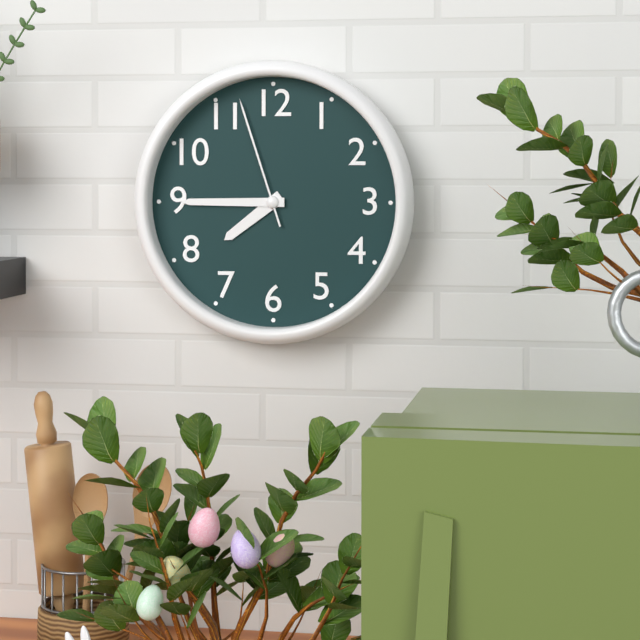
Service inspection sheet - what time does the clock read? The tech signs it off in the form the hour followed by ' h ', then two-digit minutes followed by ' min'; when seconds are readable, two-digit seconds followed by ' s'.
7 h 45 min 57 s
